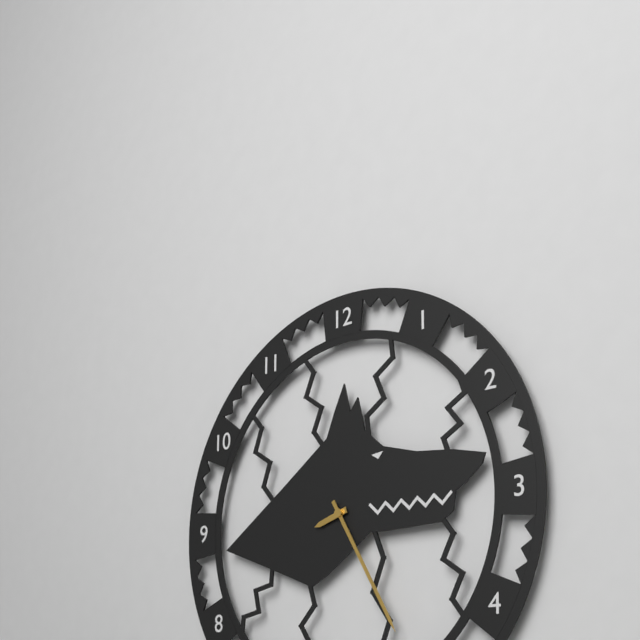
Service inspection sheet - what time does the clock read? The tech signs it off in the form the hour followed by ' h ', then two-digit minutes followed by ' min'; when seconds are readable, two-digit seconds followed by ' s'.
8 h 25 min
